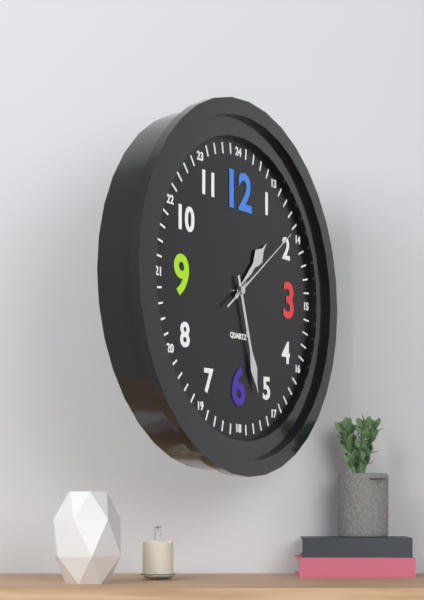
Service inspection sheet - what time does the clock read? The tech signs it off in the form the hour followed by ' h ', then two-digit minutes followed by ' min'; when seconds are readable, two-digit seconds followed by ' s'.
1 h 27 min 09 s
